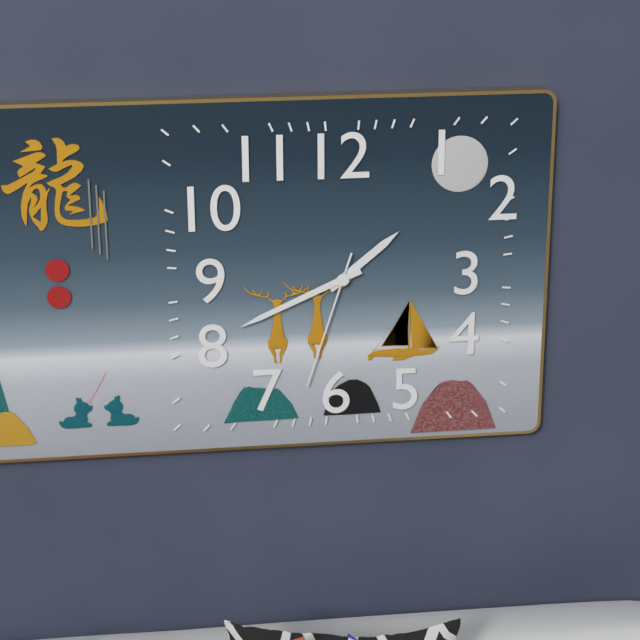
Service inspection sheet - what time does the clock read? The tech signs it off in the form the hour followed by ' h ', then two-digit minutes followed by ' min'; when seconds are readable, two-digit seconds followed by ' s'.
1 h 41 min 33 s
